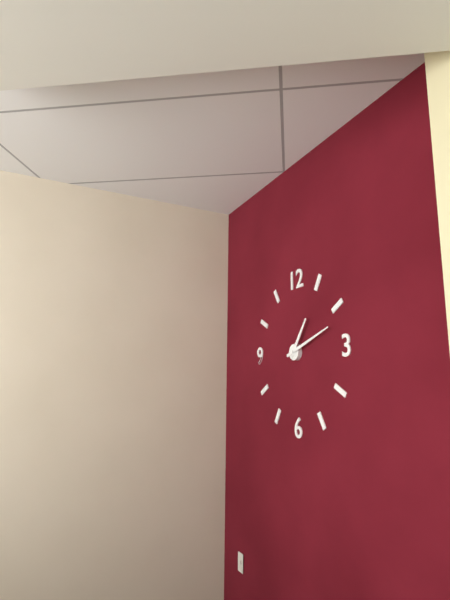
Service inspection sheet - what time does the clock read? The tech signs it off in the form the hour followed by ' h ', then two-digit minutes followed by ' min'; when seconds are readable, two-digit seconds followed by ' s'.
1 h 12 min
